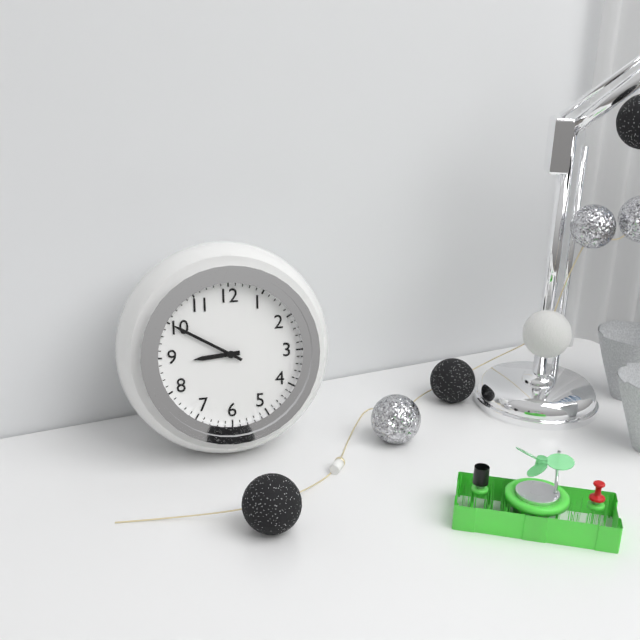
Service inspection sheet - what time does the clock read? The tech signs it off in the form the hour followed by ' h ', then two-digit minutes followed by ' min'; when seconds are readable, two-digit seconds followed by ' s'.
8 h 50 min
